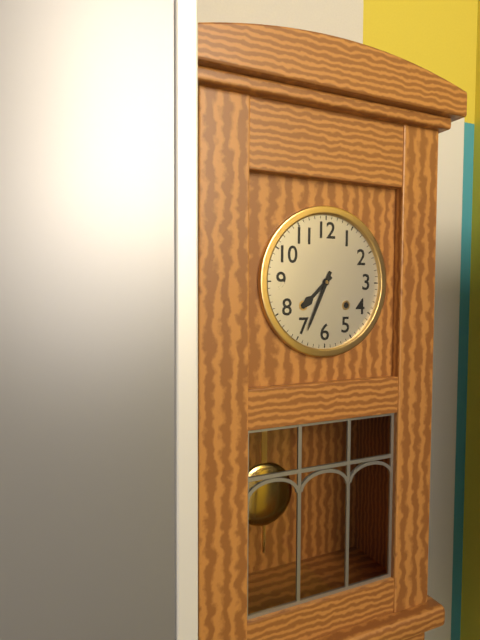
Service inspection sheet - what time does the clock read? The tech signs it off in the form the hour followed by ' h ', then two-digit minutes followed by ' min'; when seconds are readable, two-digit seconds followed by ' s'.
7 h 34 min
